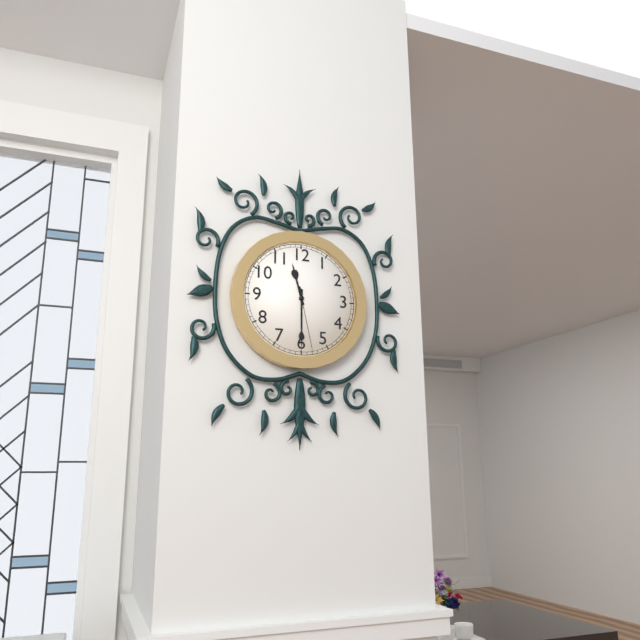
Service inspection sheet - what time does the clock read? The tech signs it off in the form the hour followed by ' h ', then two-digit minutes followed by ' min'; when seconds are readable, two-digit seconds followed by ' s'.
11 h 30 min 28 s
